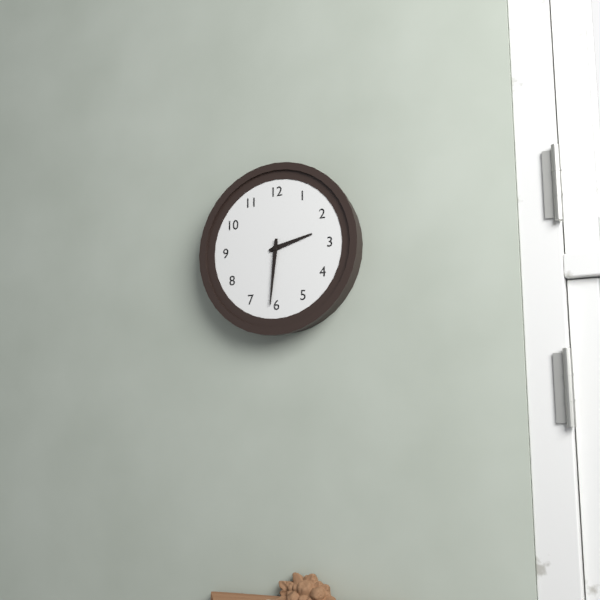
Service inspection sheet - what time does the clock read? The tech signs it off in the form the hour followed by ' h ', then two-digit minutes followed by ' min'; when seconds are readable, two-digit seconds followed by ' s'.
2 h 31 min
